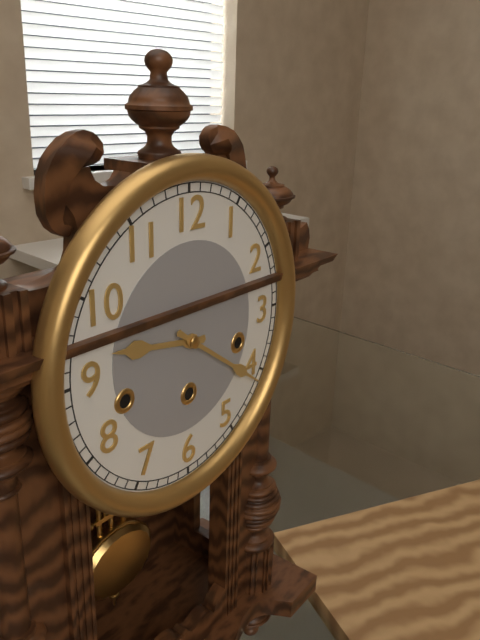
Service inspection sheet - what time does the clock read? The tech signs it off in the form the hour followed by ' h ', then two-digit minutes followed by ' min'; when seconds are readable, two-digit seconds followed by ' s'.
9 h 21 min
